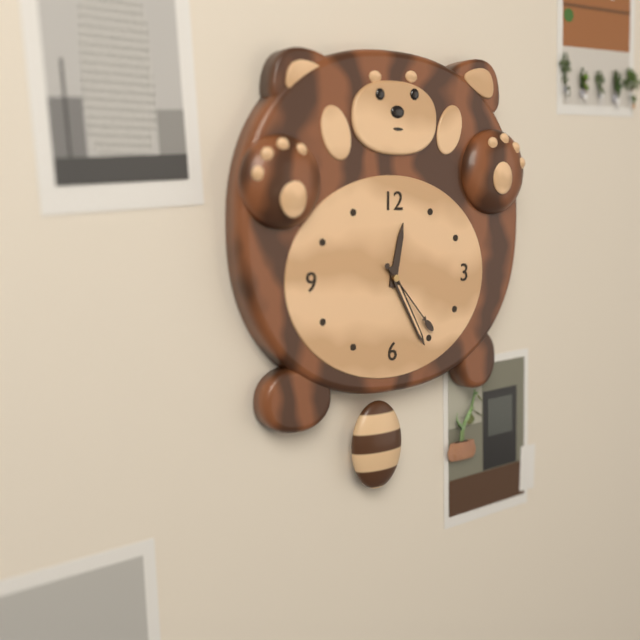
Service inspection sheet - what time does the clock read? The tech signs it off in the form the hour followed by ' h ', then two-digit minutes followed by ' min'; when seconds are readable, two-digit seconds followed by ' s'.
12 h 25 min 23 s
